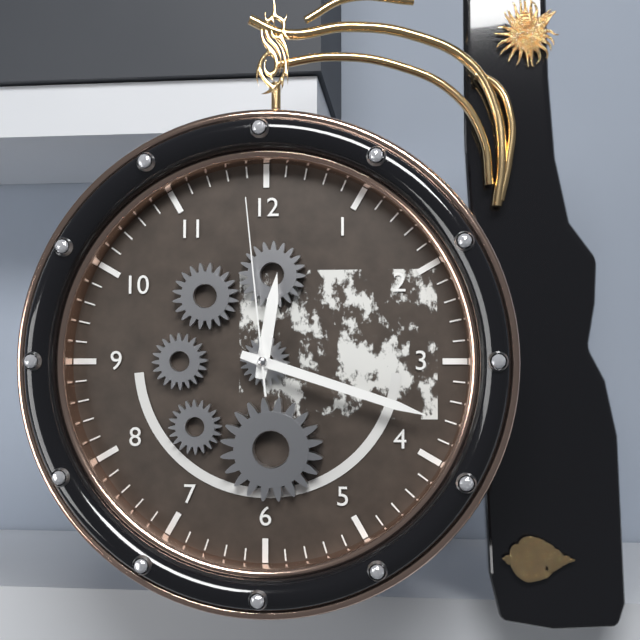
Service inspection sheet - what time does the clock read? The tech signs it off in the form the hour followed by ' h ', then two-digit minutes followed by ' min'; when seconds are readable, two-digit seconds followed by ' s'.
12 h 18 min 59 s
